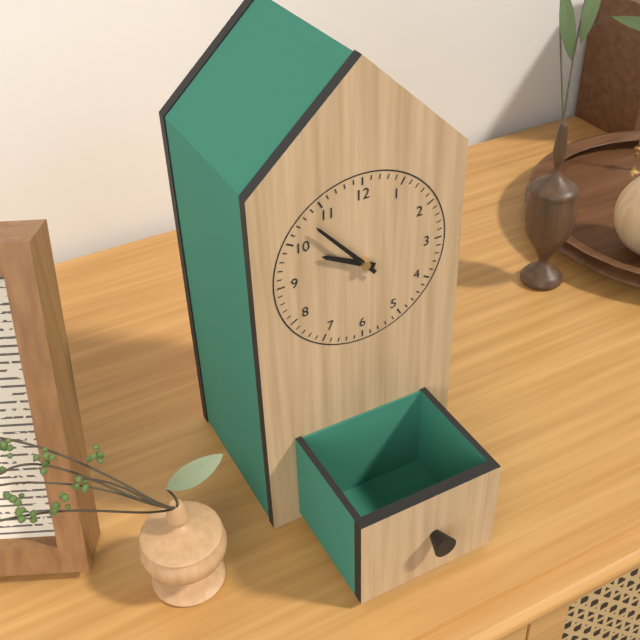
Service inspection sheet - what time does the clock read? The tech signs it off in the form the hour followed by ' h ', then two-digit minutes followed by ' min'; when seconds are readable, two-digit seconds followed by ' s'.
9 h 53 min
